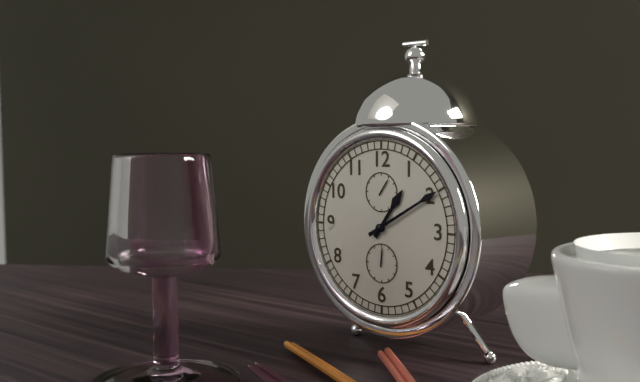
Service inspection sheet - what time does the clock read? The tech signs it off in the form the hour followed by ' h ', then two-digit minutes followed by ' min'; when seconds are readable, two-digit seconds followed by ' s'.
1 h 10 min
